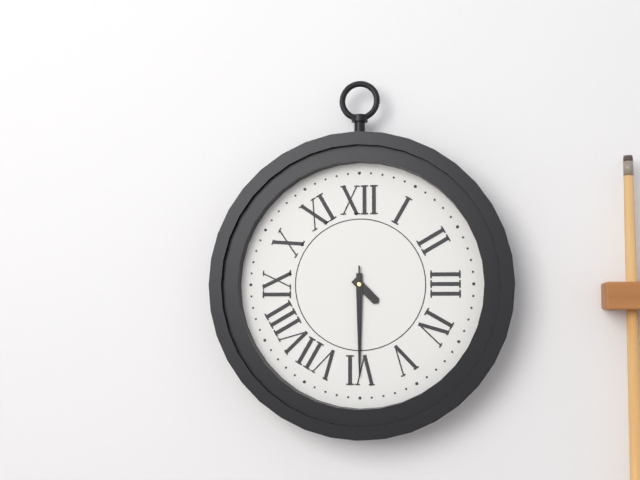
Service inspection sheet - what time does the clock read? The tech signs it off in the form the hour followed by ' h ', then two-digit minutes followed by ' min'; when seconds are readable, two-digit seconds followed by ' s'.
4 h 30 min 30 s
